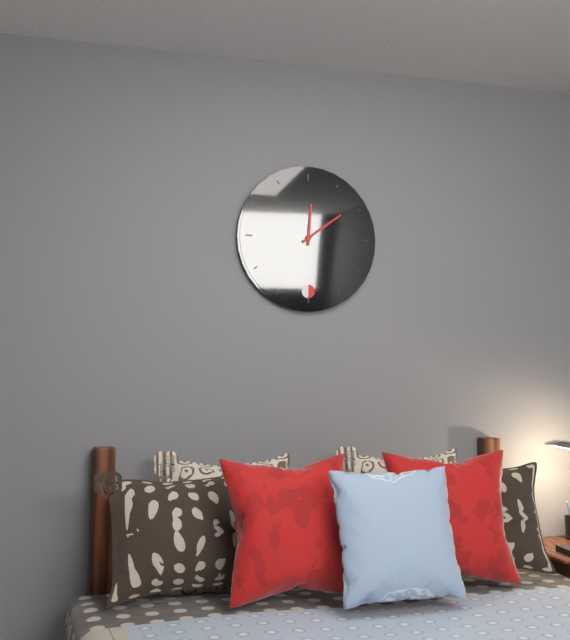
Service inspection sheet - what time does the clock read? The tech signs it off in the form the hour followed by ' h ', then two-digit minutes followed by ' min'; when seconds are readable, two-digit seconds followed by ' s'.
12 h 09 min
